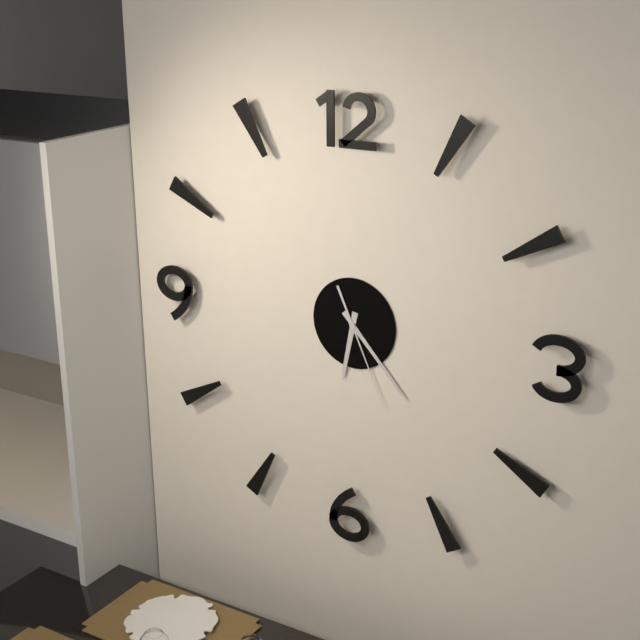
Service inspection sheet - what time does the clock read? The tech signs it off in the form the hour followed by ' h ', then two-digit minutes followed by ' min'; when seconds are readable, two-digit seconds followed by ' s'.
6 h 23 min 26 s
